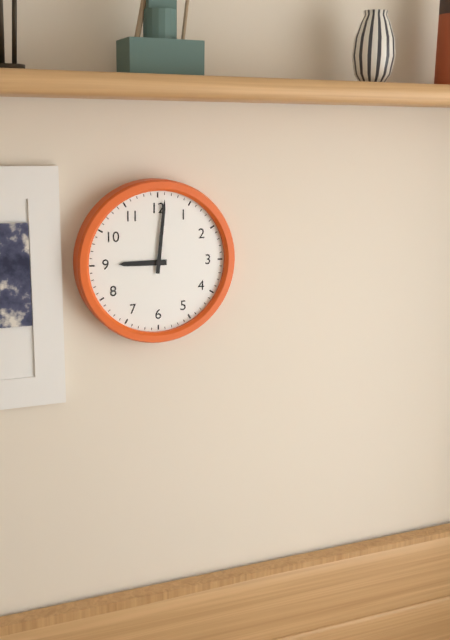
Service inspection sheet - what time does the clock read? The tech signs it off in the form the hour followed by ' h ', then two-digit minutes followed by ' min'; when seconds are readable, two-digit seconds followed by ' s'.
9 h 01 min
